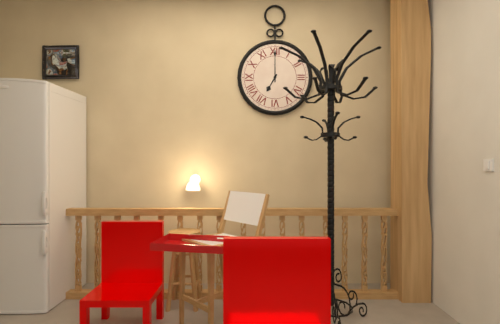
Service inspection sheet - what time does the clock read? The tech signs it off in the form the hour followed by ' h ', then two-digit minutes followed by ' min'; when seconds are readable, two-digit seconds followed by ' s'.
7 h 00 min
